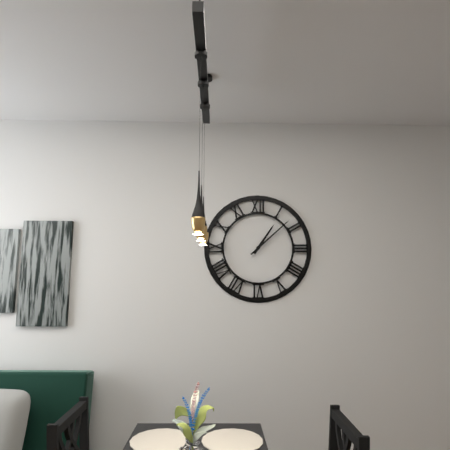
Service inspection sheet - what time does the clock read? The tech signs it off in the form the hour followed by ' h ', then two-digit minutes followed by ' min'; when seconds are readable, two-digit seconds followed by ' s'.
1 h 08 min
